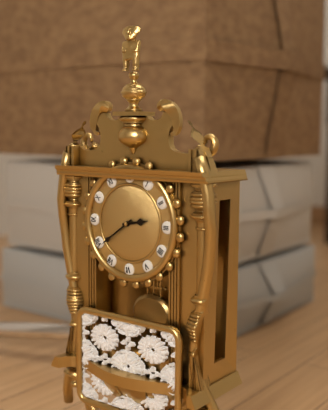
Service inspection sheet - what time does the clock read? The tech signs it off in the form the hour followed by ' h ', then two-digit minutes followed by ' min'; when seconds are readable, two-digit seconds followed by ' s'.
2 h 39 min
